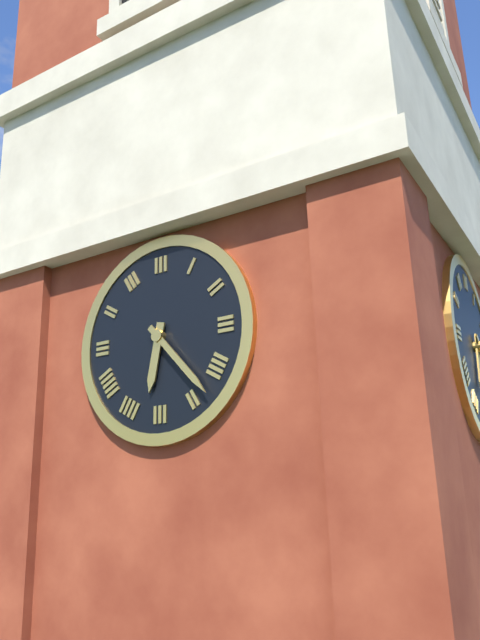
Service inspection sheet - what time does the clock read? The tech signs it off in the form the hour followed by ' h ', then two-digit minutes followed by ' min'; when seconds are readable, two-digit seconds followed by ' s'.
6 h 23 min
